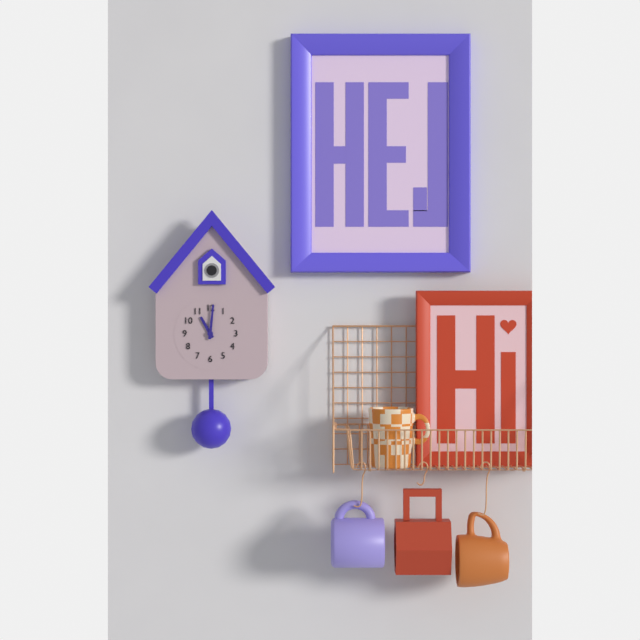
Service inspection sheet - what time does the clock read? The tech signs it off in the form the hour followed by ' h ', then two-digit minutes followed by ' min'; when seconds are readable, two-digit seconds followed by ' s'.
11 h 01 min
